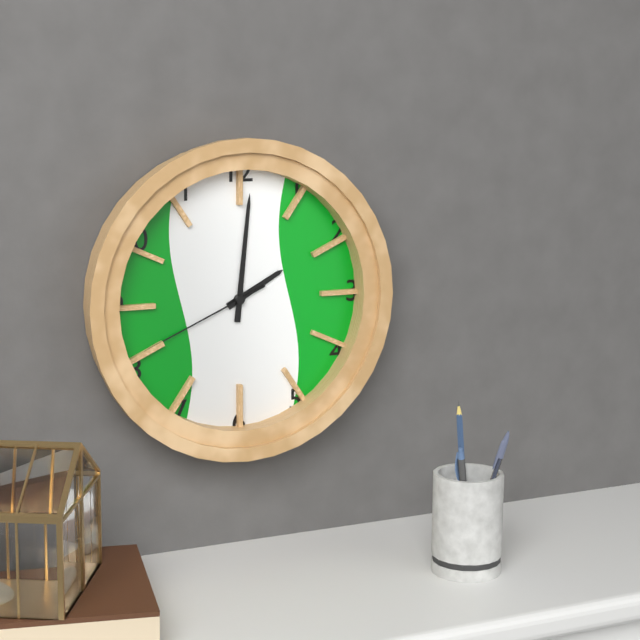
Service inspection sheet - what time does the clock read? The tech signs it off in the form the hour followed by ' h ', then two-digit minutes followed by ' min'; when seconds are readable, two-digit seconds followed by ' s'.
2 h 01 min 41 s
